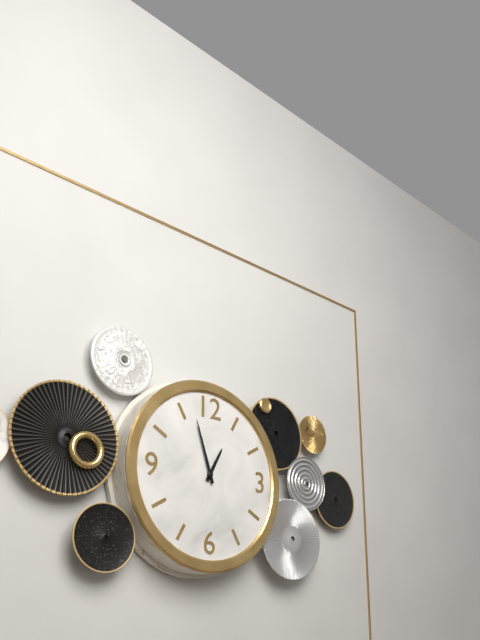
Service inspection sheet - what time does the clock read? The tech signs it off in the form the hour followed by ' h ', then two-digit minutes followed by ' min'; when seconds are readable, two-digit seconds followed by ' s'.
12 h 57 min
